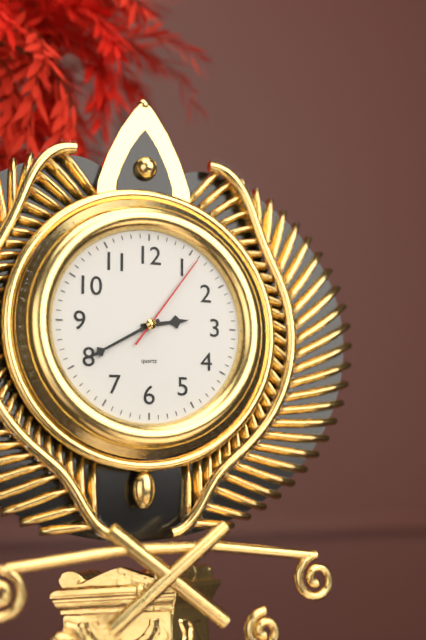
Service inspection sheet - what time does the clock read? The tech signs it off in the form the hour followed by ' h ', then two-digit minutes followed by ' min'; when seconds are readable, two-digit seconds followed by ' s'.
2 h 40 min 06 s
